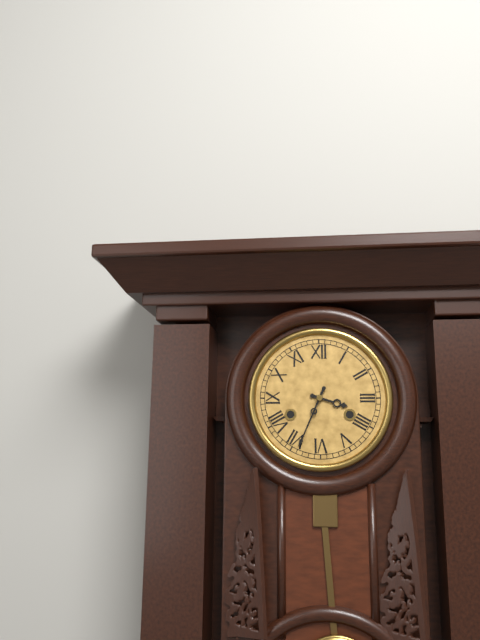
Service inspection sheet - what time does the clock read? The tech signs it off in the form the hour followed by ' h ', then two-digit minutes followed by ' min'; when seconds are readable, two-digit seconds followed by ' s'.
3 h 34 min
